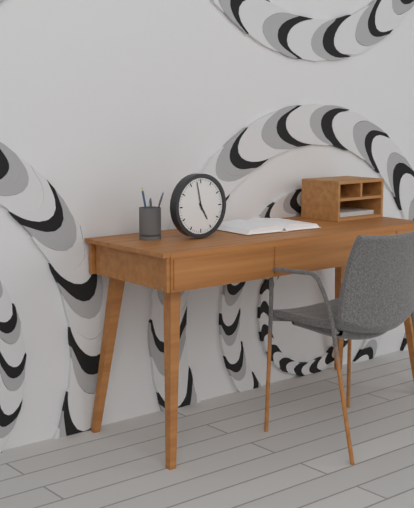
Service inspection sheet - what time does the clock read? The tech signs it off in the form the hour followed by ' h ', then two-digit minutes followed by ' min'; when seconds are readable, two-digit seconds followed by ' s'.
4 h 58 min
